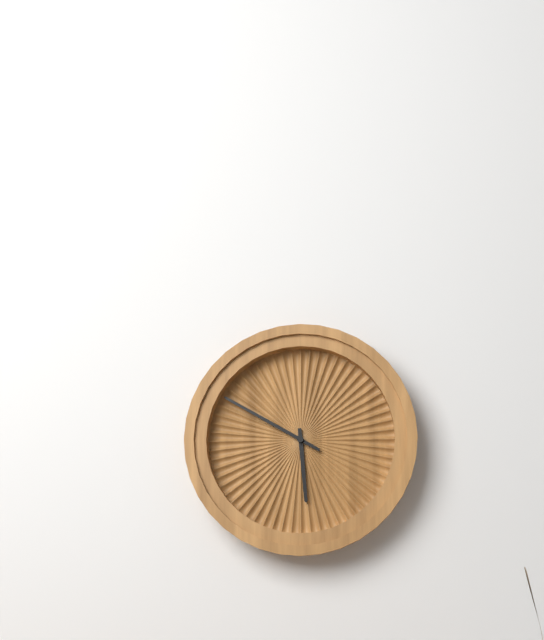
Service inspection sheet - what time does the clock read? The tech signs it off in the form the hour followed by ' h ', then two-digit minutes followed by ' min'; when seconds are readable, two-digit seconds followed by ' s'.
5 h 50 min
